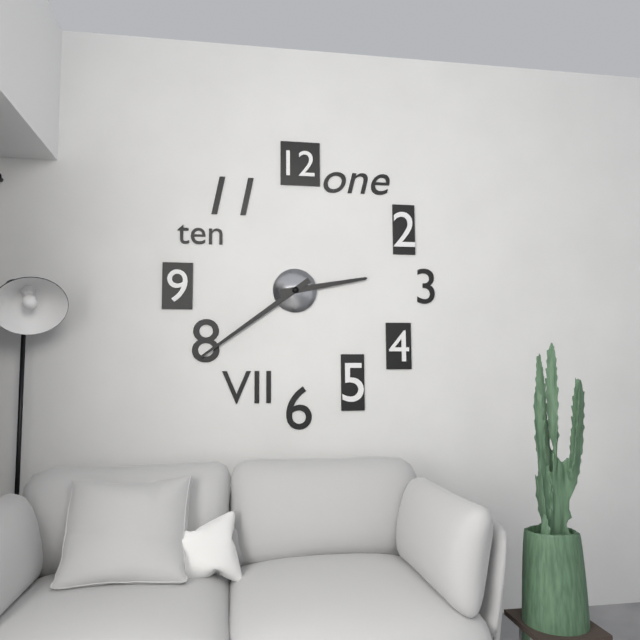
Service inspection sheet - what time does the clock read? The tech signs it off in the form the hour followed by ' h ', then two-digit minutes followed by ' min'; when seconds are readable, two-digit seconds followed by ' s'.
2 h 39 min
